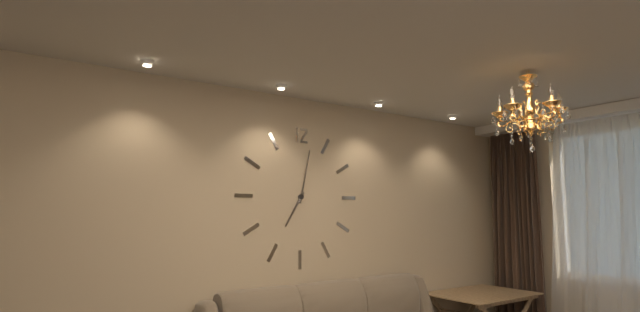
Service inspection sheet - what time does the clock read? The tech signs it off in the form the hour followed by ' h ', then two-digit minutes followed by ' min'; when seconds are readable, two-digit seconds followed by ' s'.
7 h 02 min
